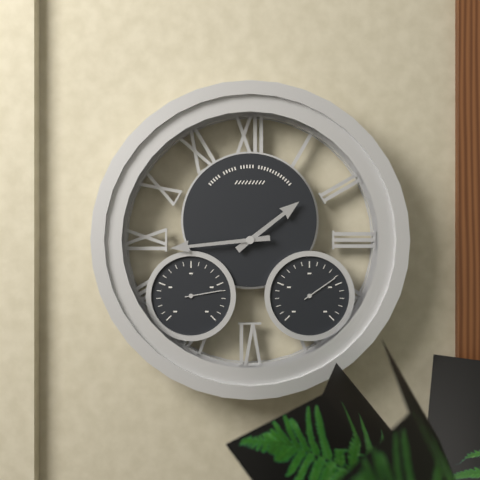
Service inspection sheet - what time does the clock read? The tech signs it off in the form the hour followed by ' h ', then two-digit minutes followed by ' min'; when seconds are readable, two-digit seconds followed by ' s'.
1 h 44 min
